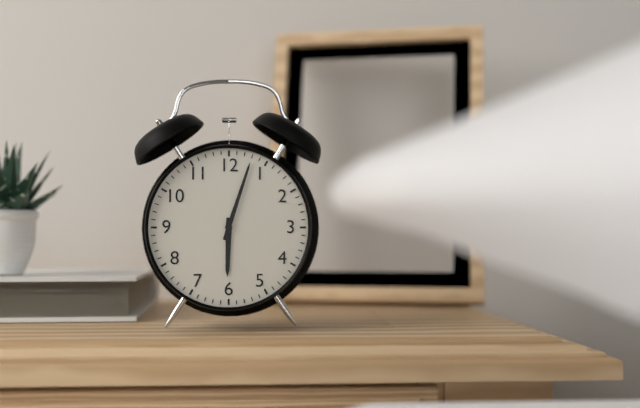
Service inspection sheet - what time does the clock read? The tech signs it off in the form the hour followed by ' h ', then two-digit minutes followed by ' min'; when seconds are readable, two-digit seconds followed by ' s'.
6 h 03 min
